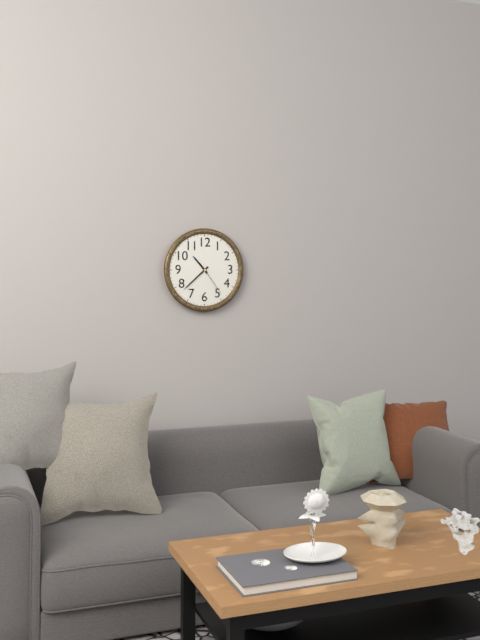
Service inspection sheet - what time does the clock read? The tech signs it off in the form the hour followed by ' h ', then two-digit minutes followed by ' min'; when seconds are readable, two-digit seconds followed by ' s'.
10 h 38 min
